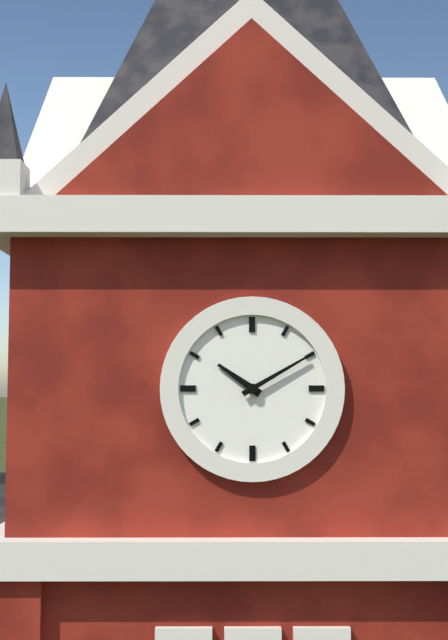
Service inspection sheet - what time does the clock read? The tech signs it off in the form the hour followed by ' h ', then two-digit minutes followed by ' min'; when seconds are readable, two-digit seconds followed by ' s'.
10 h 10 min
